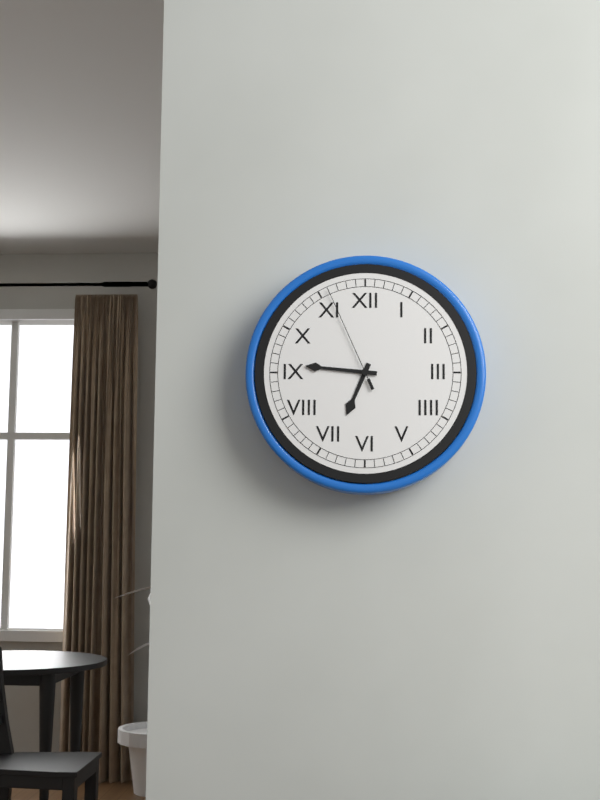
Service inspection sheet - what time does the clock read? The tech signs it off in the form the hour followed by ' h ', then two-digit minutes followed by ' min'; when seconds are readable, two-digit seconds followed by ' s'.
6 h 46 min 56 s
